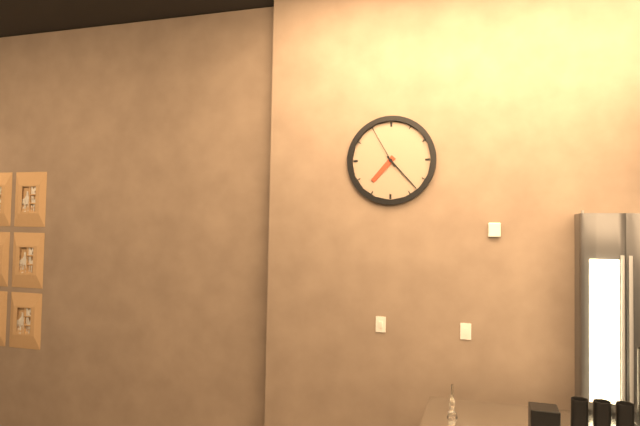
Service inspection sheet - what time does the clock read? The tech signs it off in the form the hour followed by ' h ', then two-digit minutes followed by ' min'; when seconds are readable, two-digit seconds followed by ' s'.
7 h 23 min
